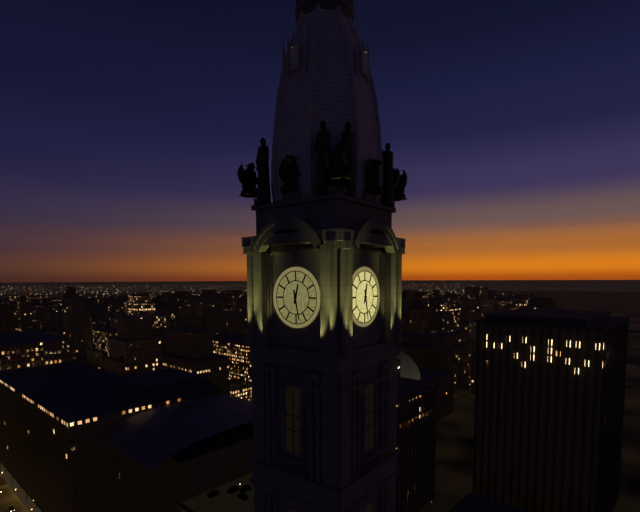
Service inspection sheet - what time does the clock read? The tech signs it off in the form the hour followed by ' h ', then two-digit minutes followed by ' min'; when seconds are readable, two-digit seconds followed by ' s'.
12 h 28 min
